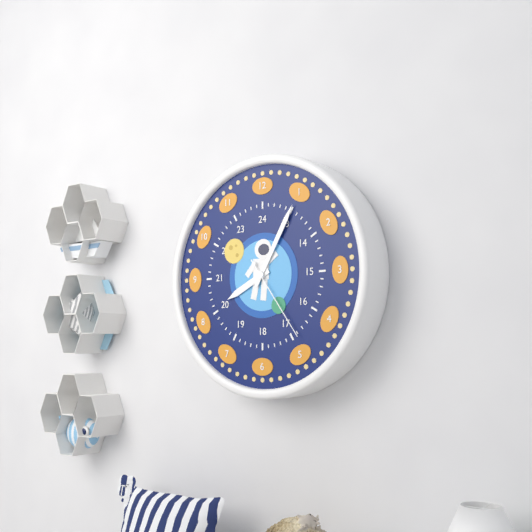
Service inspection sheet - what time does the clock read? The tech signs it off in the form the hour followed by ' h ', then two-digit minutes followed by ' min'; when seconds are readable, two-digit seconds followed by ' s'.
8 h 05 min 24 s
